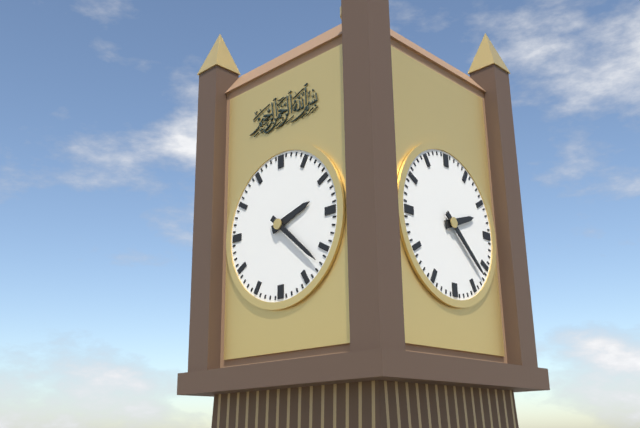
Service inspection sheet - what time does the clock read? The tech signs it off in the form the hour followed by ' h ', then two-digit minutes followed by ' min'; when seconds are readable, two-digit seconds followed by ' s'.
2 h 22 min
